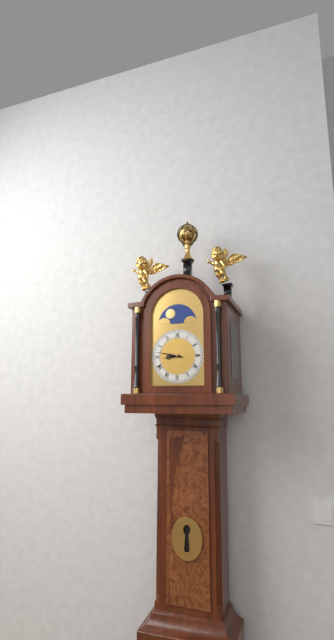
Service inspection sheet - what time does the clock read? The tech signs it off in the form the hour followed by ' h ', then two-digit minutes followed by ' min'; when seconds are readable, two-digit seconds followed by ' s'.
8 h 47 min
